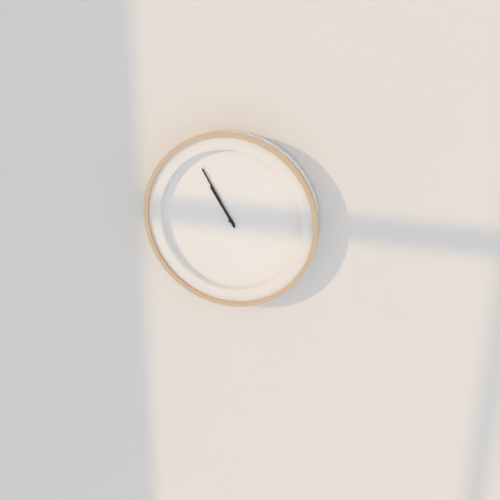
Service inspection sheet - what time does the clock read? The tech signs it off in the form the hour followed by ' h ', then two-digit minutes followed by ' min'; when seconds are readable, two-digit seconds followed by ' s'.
10 h 55 min
